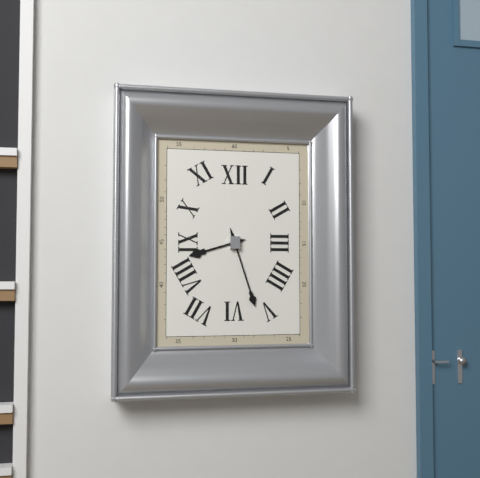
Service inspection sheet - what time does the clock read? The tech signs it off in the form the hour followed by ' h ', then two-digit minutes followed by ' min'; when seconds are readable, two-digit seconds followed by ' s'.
8 h 27 min
